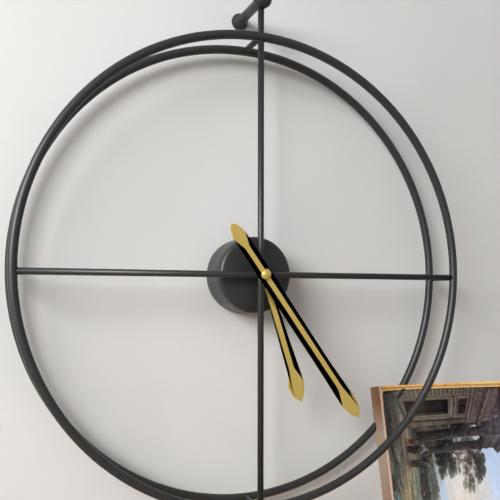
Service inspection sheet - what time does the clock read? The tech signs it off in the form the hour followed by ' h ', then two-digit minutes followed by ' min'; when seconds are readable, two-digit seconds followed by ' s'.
5 h 24 min
